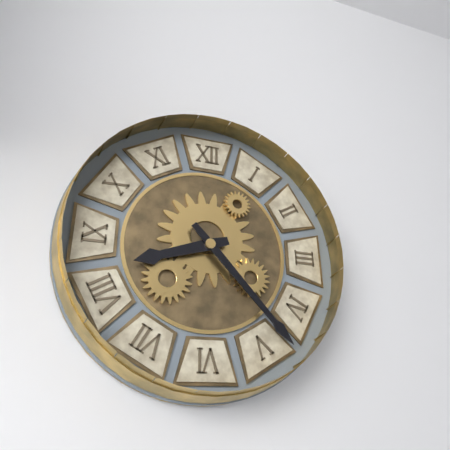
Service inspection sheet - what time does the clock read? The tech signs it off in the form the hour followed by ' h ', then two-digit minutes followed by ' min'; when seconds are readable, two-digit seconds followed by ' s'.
8 h 23 min
